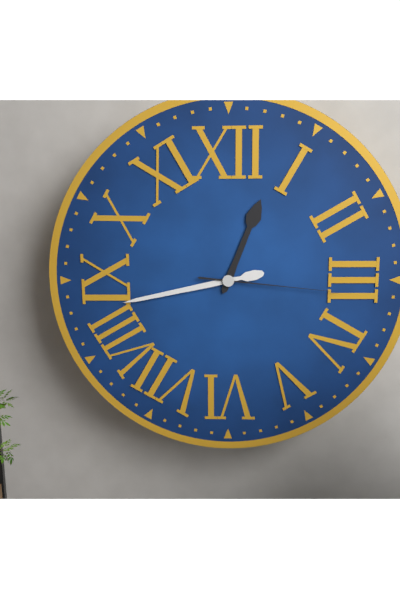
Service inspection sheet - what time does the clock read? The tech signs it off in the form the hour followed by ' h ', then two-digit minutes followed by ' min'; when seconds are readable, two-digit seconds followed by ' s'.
12 h 43 min 16 s
